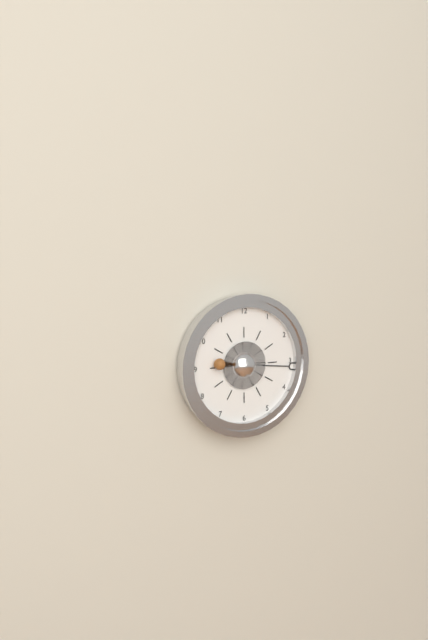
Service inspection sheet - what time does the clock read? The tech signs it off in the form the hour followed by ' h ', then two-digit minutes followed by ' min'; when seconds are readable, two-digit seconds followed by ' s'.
9 h 16 min
